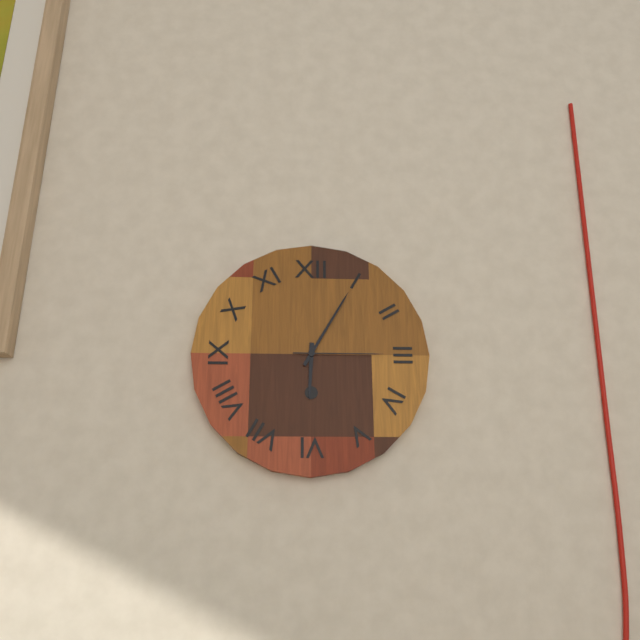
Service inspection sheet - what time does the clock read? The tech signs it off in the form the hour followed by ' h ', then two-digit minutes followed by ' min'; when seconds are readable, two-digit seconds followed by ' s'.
6 h 05 min 15 s
